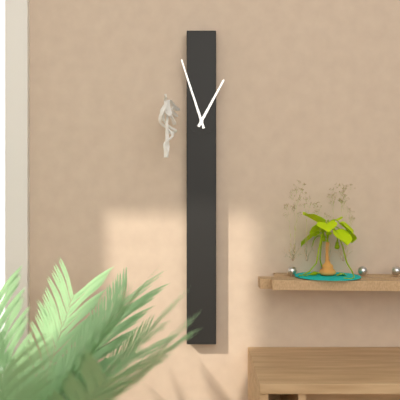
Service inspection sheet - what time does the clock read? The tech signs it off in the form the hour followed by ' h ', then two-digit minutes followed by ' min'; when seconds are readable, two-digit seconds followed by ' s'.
12 h 57 min
